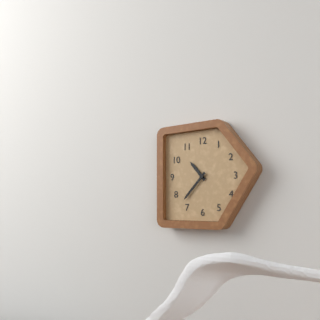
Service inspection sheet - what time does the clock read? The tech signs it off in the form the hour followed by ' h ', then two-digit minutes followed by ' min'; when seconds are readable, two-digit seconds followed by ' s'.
10 h 37 min
